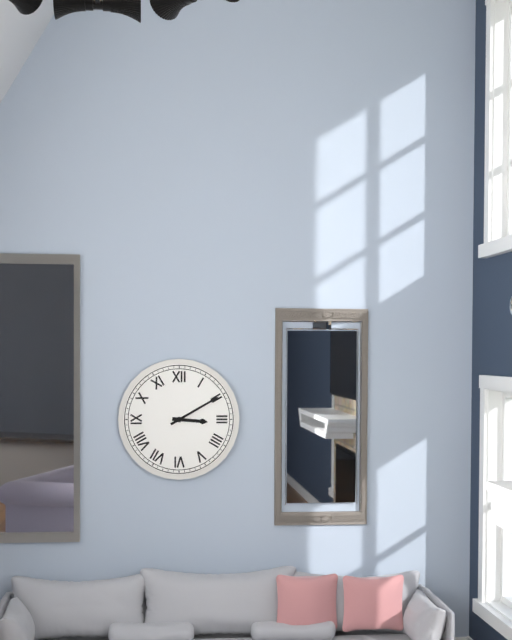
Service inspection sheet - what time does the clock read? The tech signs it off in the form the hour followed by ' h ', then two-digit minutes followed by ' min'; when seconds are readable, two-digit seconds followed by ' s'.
3 h 10 min
